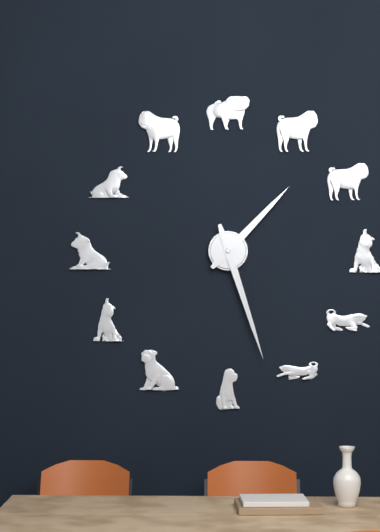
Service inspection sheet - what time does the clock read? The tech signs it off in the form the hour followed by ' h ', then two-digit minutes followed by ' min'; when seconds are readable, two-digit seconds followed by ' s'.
1 h 27 min
